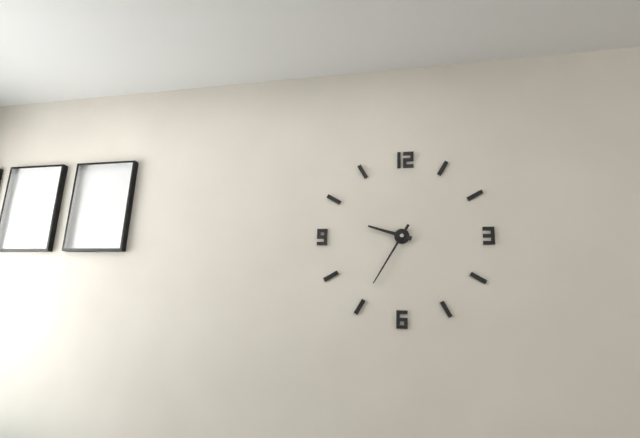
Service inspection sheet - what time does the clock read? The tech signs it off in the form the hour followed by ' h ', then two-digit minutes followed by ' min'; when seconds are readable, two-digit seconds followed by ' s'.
9 h 35 min
